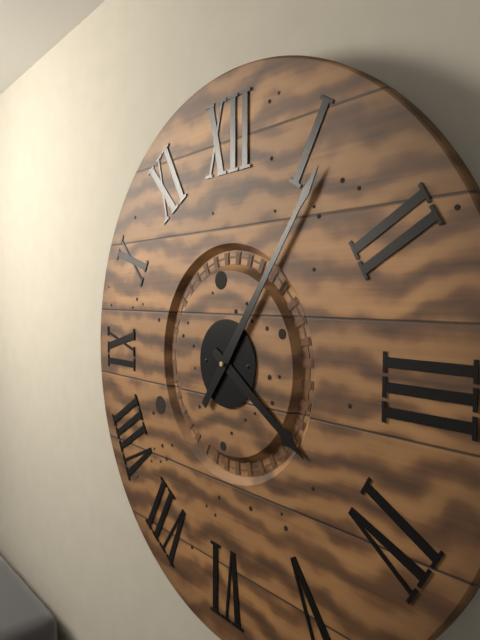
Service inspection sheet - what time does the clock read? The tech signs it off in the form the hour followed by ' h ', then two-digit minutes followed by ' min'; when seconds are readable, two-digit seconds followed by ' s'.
4 h 06 min
